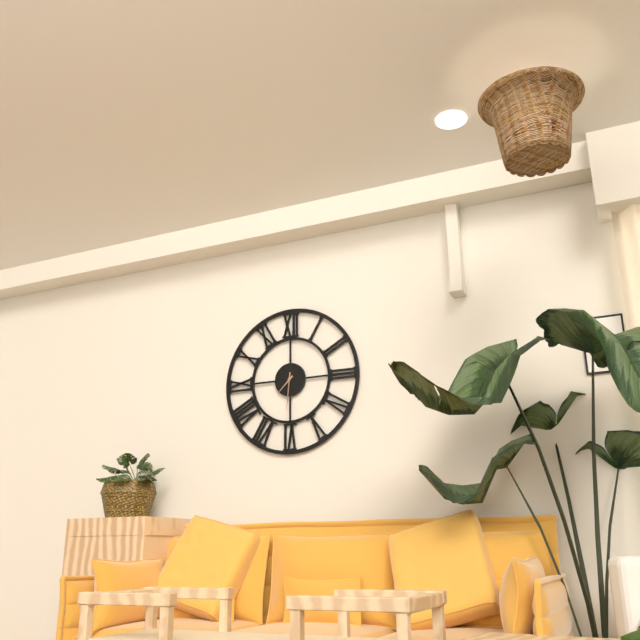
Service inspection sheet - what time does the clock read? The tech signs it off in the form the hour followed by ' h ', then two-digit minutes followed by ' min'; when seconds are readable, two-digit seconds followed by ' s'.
7 h 31 min
